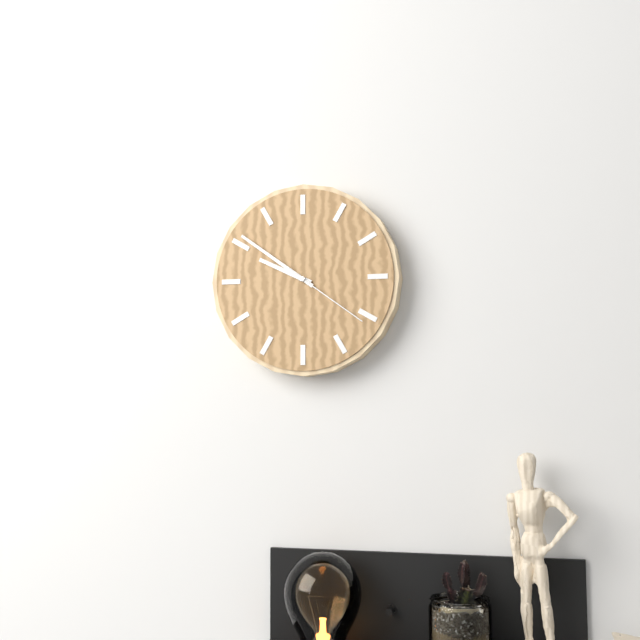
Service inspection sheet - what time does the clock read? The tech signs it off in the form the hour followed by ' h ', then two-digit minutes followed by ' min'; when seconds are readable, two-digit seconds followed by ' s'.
9 h 51 min 21 s
